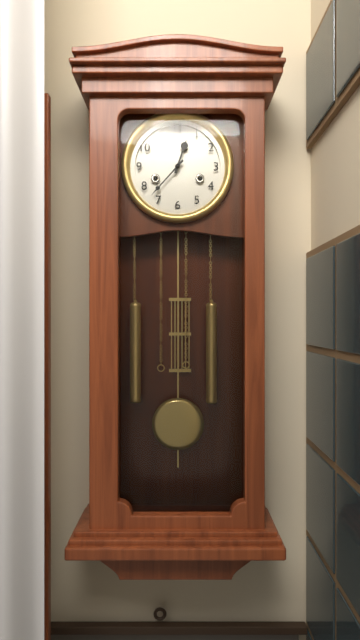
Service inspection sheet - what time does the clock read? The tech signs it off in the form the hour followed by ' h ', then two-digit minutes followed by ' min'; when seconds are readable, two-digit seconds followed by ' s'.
12 h 37 min
